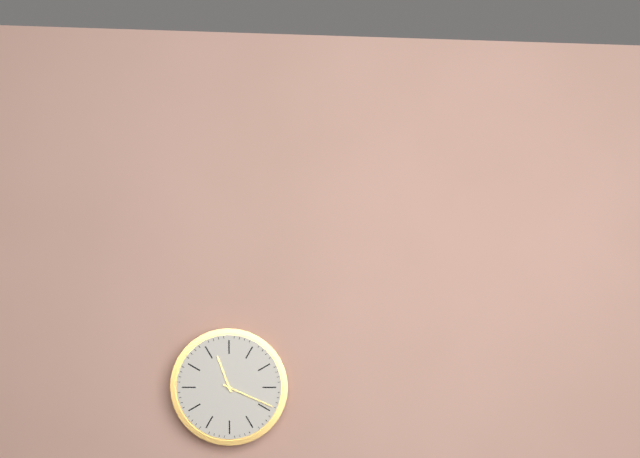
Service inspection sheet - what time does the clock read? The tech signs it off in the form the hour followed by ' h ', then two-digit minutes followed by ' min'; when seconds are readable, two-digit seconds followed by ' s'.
11 h 19 min
